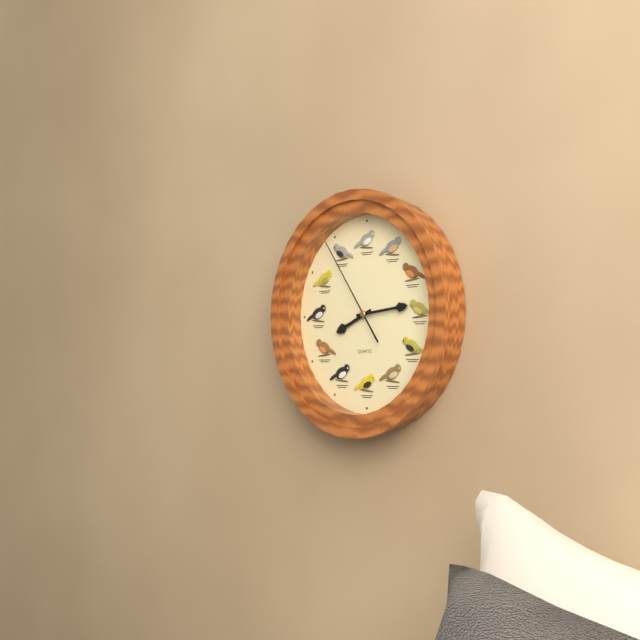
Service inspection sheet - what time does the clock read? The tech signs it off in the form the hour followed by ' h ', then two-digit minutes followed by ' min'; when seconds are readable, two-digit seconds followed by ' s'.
8 h 14 min 54 s
